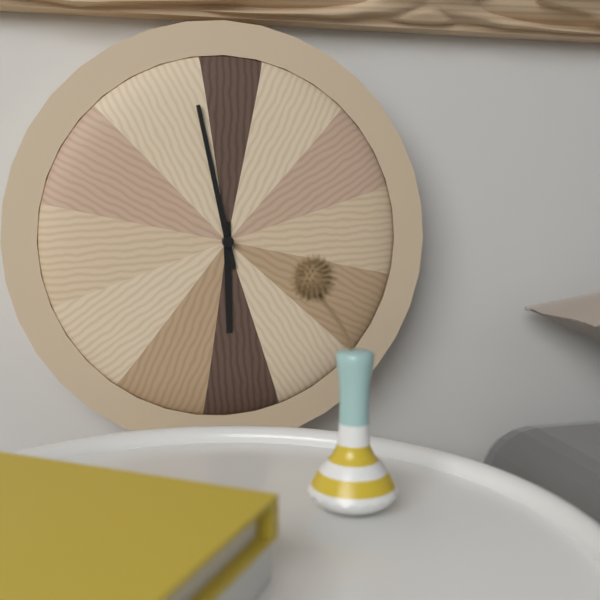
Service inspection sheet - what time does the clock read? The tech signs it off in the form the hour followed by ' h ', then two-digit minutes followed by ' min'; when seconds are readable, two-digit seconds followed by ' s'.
5 h 58 min
